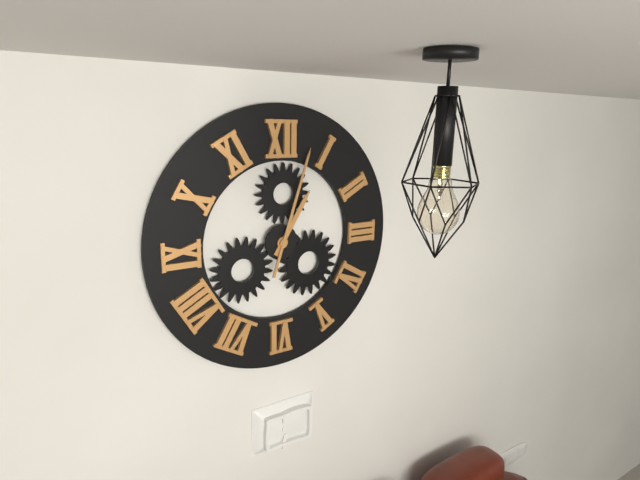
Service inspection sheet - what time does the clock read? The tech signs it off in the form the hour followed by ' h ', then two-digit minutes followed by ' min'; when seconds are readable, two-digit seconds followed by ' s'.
1 h 03 min
